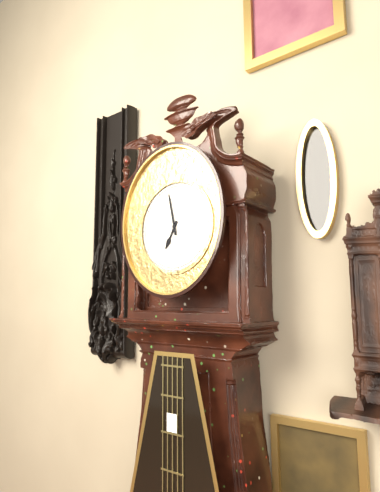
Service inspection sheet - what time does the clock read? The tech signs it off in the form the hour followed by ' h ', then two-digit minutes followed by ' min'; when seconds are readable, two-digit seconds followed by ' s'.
6 h 58 min
